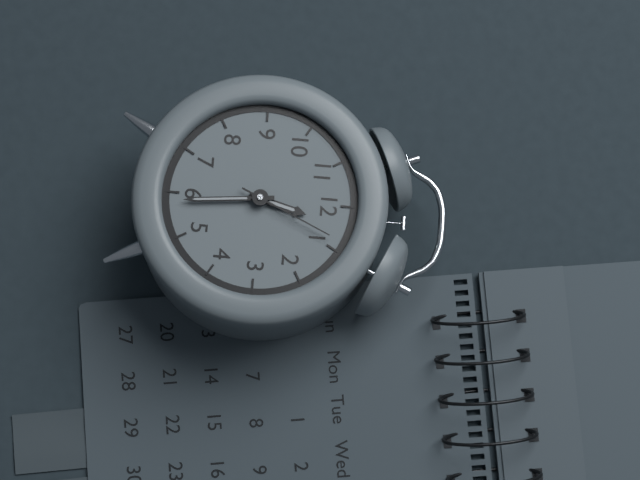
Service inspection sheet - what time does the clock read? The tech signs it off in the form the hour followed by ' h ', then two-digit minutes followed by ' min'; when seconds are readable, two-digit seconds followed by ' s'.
12 h 29 min 04 s
